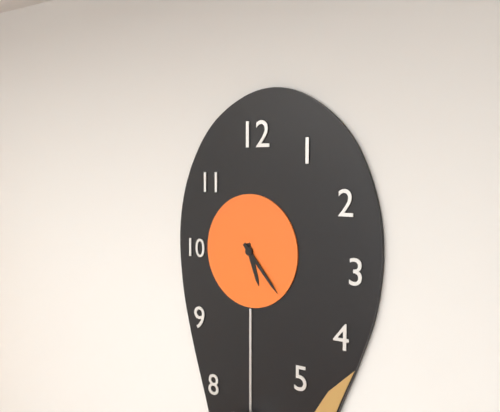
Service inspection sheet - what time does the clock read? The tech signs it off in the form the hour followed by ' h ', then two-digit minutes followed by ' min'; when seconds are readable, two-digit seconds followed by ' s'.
5 h 23 min
